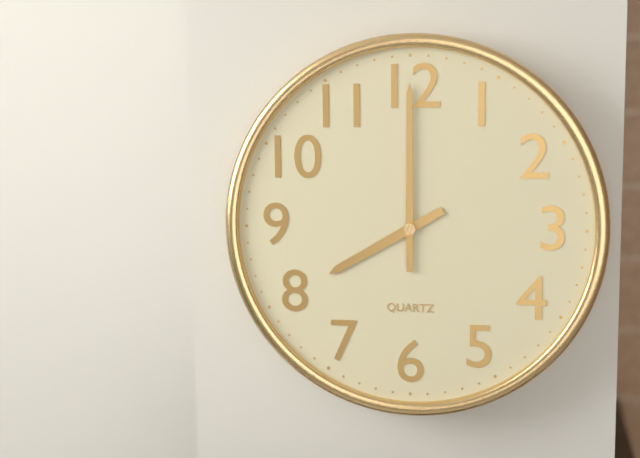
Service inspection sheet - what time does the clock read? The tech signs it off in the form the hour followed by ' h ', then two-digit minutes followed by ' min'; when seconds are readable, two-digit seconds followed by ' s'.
8 h 00 min
